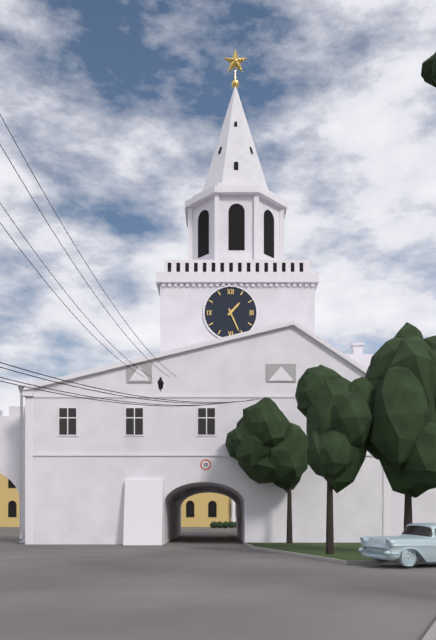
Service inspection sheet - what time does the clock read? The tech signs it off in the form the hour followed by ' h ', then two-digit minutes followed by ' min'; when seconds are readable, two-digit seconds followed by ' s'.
1 h 26 min
